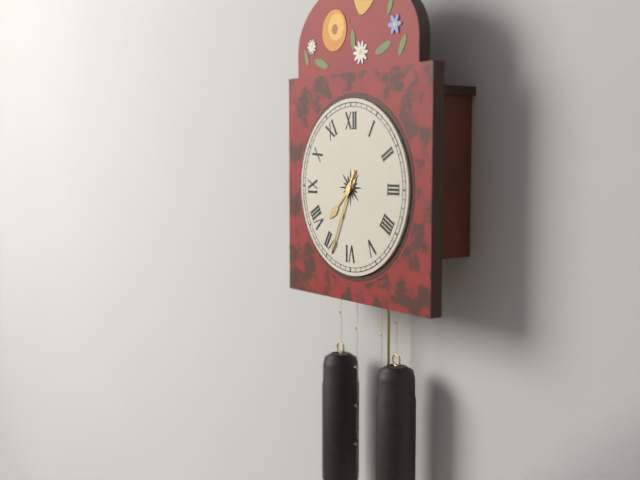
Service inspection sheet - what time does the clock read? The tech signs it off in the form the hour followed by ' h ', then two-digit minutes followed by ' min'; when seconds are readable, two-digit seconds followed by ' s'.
7 h 34 min
